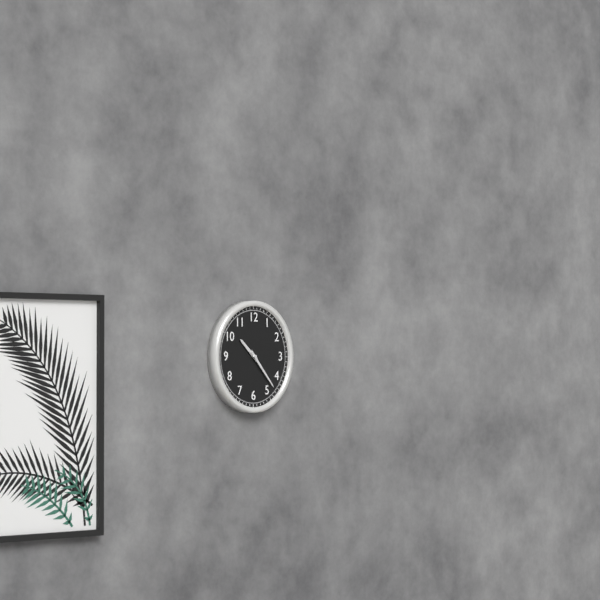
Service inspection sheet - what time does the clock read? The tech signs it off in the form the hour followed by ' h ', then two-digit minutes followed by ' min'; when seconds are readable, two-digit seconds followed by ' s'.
10 h 23 min
